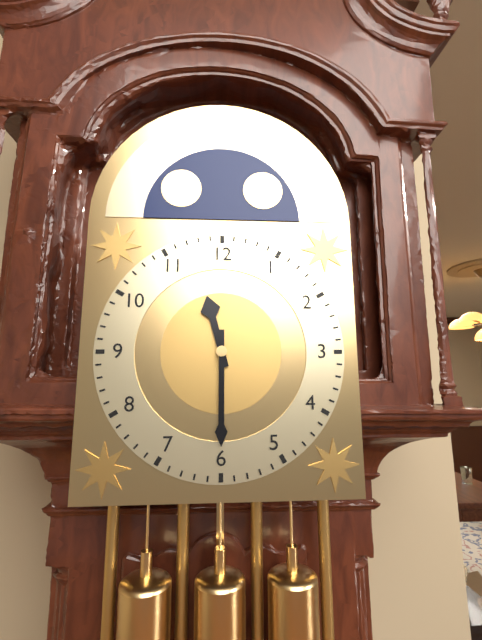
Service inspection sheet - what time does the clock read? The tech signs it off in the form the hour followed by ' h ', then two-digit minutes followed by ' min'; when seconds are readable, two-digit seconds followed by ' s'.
11 h 30 min
